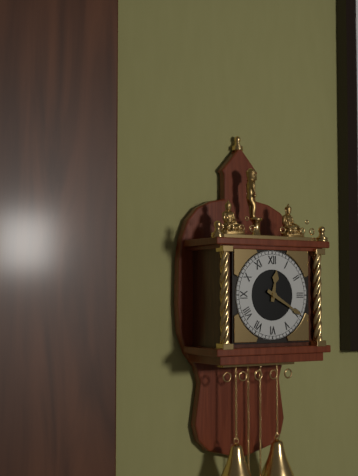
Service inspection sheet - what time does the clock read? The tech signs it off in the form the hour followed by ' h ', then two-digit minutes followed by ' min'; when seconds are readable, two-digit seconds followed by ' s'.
12 h 20 min
